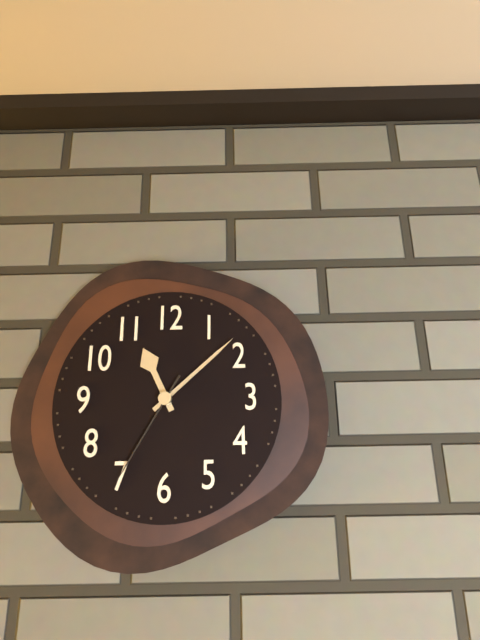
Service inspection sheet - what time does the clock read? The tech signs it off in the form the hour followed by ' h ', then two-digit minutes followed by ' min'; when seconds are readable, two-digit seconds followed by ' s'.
11 h 08 min 35 s
